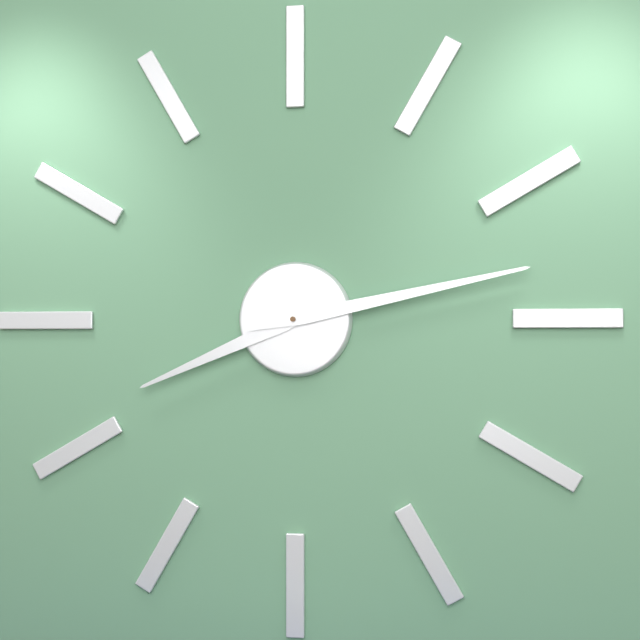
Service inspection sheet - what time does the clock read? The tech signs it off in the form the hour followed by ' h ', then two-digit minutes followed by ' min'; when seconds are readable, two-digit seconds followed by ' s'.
8 h 13 min
